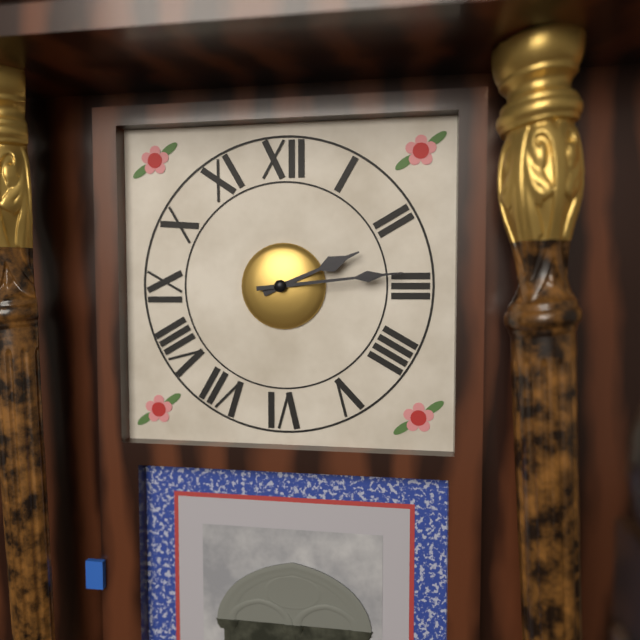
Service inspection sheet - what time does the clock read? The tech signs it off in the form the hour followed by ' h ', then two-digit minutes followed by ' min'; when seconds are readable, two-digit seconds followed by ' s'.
2 h 14 min
